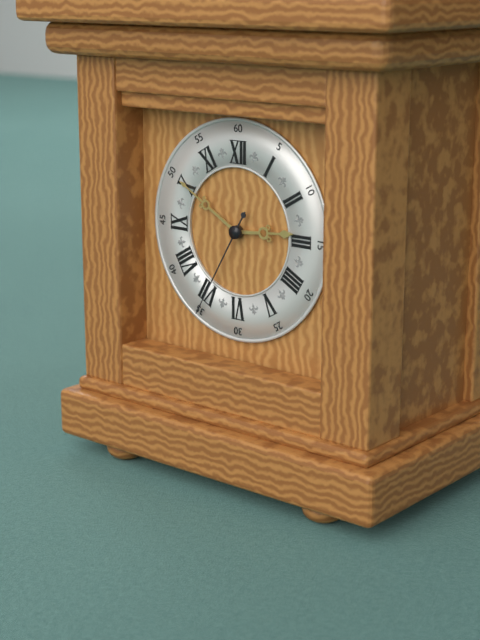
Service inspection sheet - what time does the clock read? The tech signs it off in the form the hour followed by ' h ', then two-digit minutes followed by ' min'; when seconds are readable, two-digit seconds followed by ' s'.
2 h 50 min 35 s
